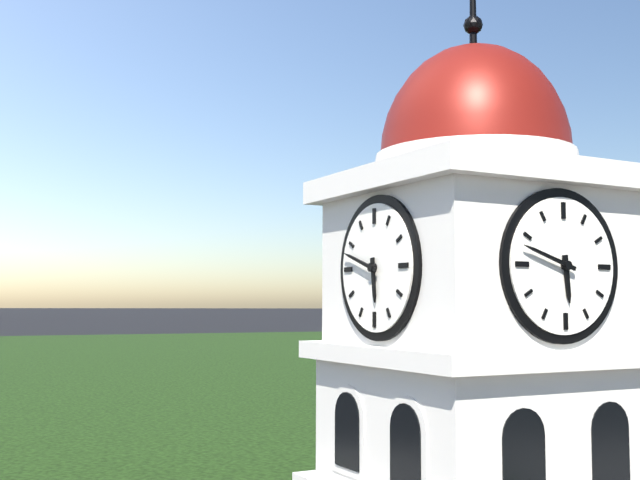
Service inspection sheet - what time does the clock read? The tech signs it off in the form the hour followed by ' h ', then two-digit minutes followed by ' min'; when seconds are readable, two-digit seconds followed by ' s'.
5 h 48 min
